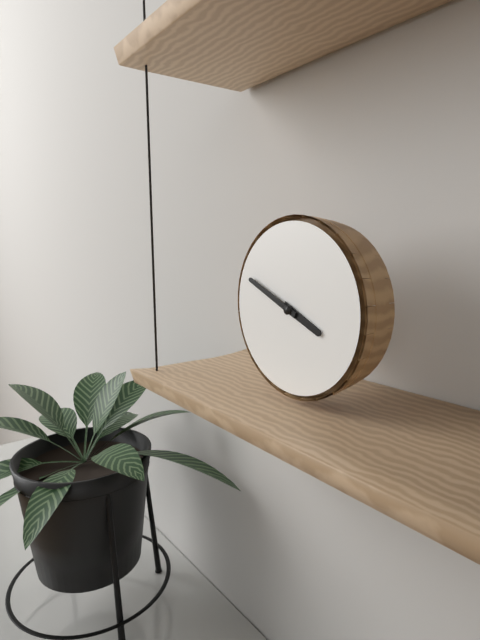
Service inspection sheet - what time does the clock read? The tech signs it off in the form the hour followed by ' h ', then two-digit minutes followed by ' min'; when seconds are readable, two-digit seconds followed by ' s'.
3 h 49 min
